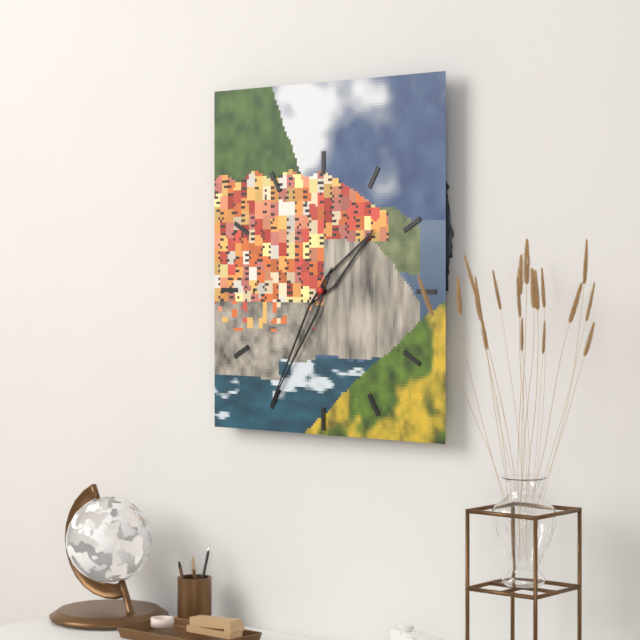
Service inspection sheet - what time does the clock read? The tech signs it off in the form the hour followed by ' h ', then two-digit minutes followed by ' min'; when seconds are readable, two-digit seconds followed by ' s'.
1 h 35 min
